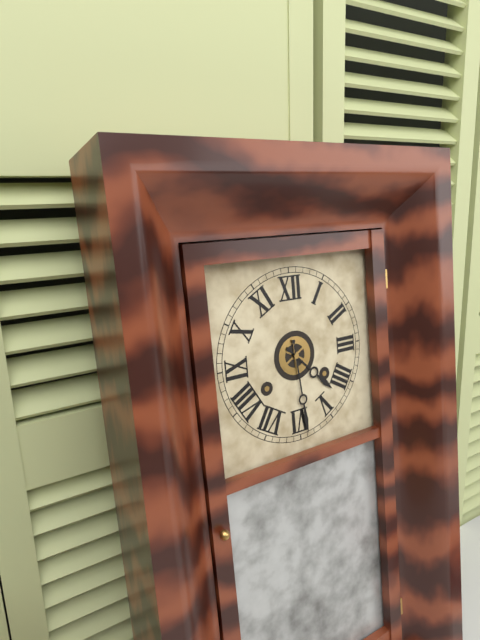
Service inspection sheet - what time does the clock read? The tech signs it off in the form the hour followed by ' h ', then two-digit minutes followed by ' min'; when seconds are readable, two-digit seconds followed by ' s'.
4 h 29 min
